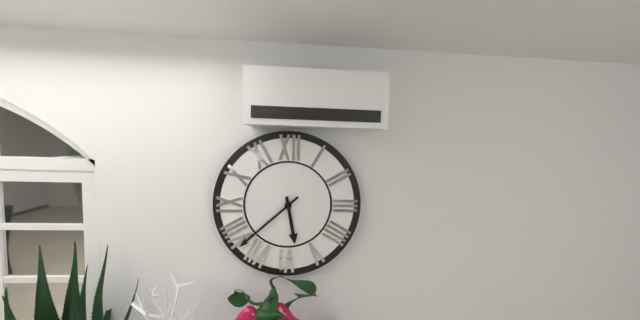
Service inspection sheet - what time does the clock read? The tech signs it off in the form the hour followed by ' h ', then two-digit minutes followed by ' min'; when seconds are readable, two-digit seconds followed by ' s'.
5 h 38 min
